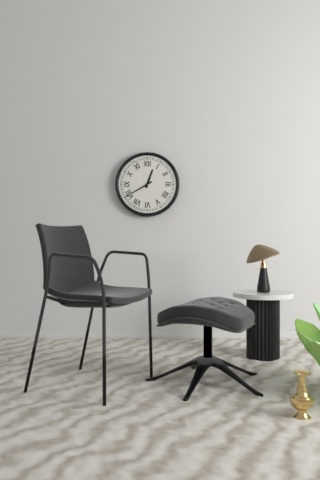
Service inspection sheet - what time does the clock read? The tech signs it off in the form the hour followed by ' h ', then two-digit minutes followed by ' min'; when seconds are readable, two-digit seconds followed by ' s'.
12 h 40 min
